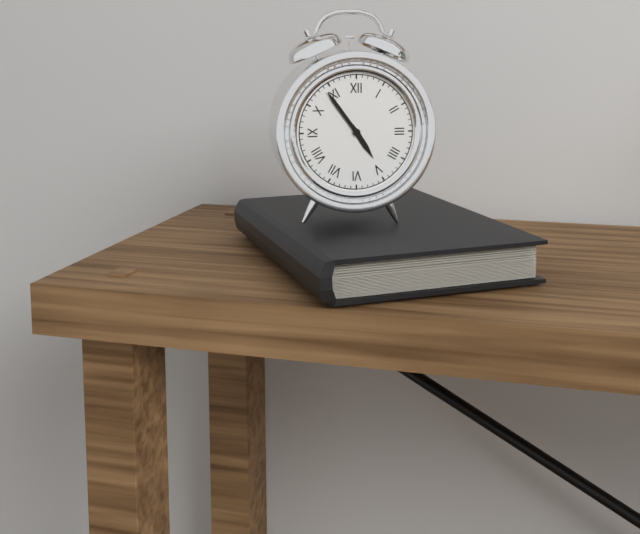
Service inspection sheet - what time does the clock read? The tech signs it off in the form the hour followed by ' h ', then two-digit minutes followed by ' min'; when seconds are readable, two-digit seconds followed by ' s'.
4 h 54 min
